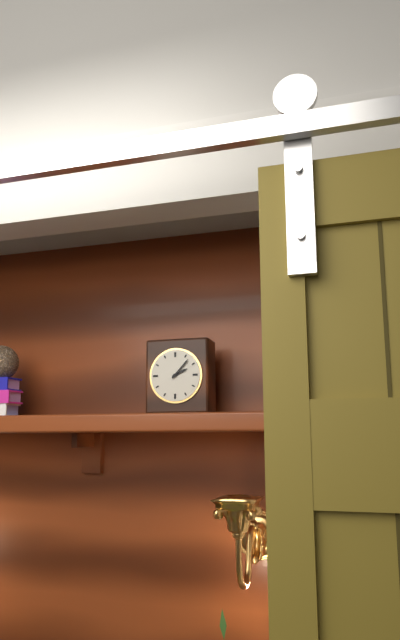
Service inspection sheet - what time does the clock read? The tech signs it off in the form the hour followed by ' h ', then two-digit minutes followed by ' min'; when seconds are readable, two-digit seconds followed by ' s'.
2 h 07 min
